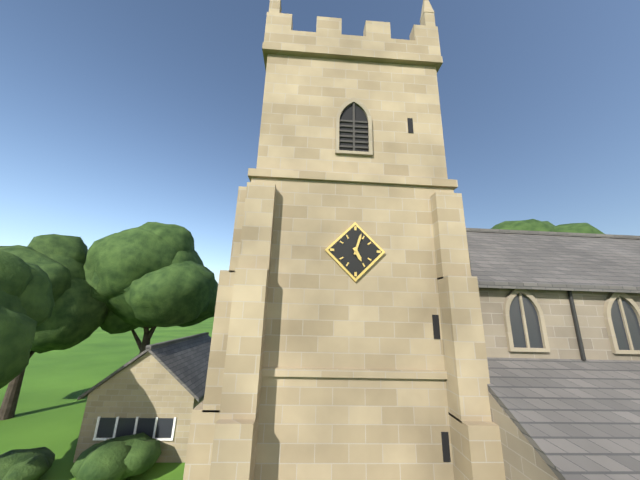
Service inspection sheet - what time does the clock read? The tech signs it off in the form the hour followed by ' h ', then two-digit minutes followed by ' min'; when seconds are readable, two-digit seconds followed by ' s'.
5 h 03 min
